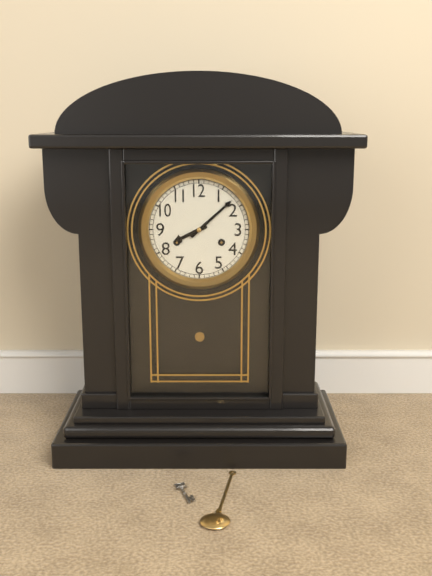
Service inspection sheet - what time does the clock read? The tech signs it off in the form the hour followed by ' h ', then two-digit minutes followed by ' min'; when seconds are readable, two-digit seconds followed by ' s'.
8 h 08 min
